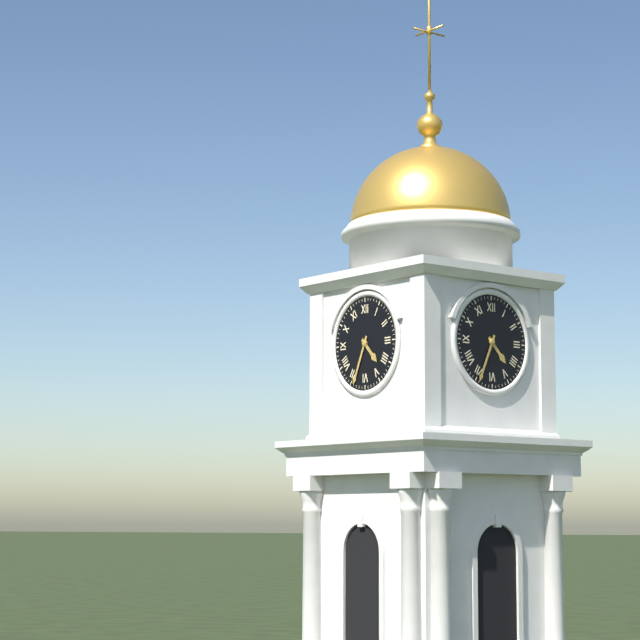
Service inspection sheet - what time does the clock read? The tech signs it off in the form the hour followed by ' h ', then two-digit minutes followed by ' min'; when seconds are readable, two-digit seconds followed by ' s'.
4 h 34 min
